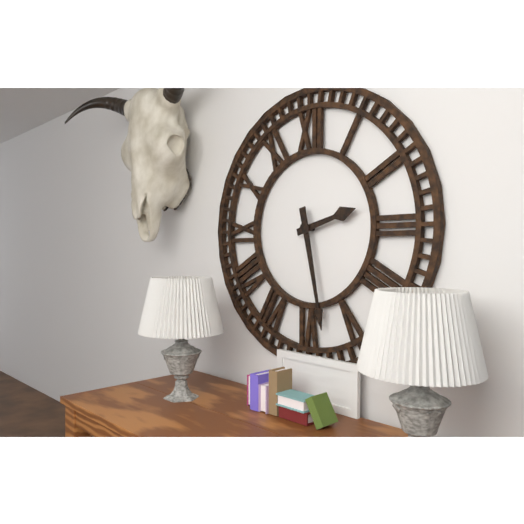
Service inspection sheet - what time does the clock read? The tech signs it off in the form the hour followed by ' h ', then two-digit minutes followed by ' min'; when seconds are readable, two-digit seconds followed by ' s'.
2 h 28 min
